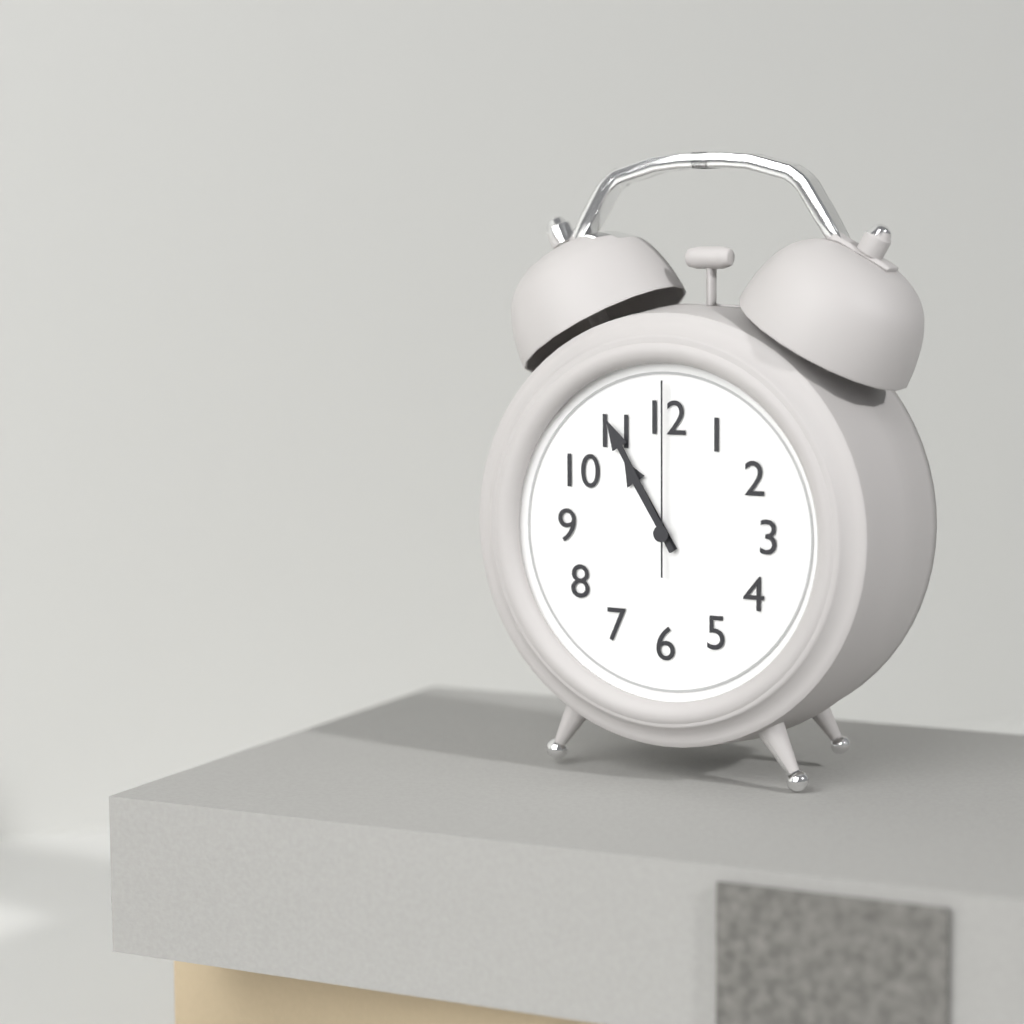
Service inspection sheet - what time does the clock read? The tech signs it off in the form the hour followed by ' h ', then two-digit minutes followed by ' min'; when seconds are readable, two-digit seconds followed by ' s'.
10 h 55 min 00 s
